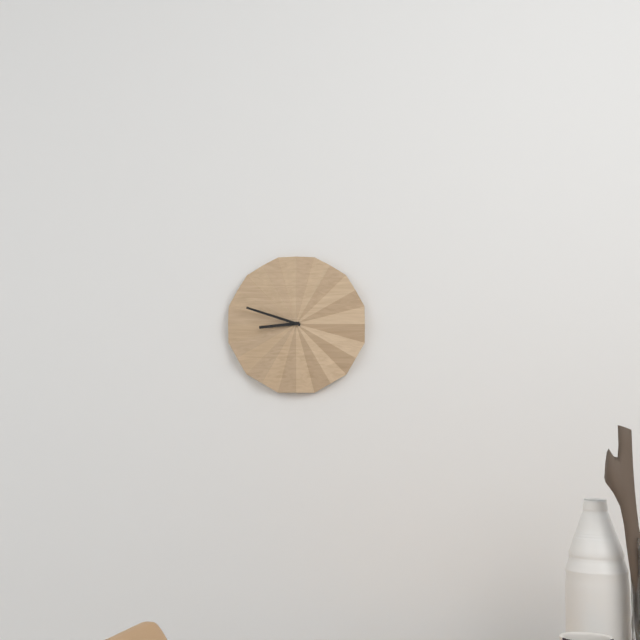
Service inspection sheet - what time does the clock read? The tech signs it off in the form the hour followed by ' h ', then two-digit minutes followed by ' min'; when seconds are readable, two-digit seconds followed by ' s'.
8 h 48 min
